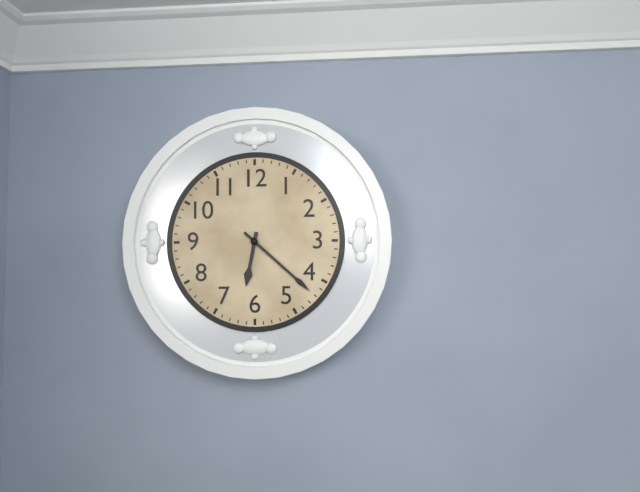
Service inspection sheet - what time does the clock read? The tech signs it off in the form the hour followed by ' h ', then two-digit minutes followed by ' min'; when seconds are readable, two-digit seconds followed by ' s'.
6 h 22 min
